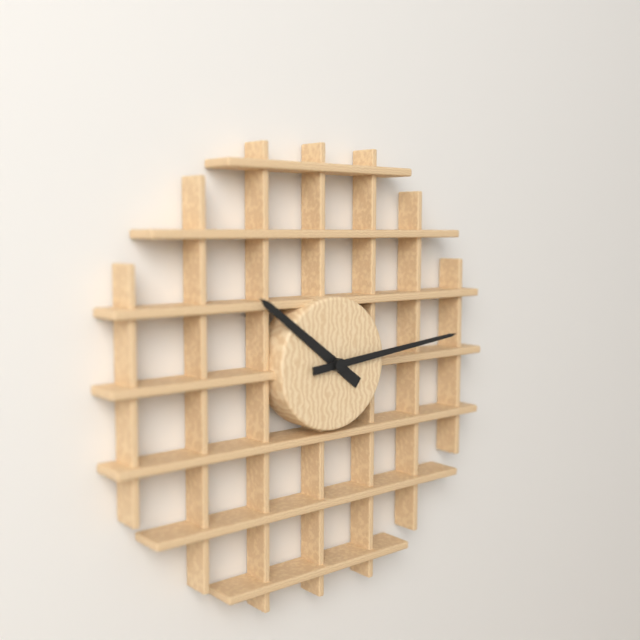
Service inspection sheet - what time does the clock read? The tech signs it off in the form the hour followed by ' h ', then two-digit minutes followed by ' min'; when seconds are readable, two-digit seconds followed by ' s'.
10 h 14 min
